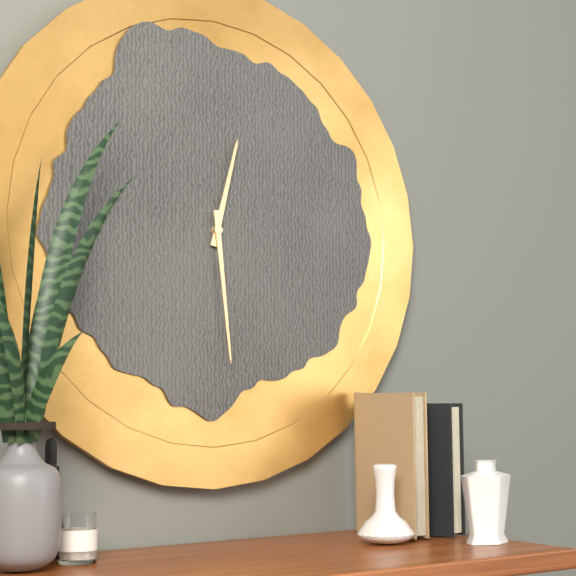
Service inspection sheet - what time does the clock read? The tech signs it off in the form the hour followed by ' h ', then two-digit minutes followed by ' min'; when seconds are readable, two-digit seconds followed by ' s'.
12 h 29 min
